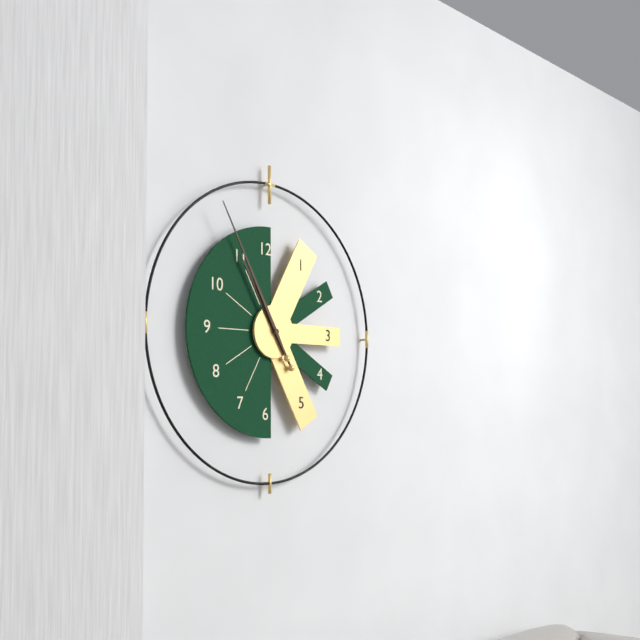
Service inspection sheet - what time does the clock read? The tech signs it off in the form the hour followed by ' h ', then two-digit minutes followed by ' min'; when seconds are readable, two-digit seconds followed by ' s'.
10 h 55 min
